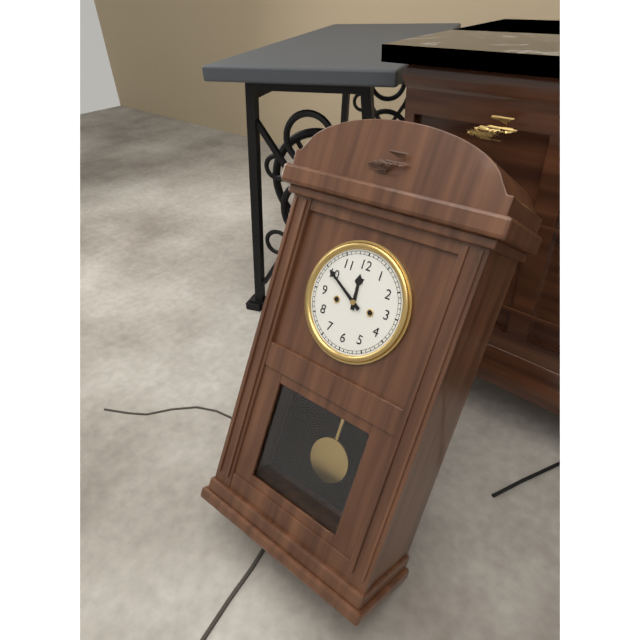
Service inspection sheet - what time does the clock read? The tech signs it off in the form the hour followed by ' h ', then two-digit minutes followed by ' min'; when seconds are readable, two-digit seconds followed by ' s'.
11 h 50 min
